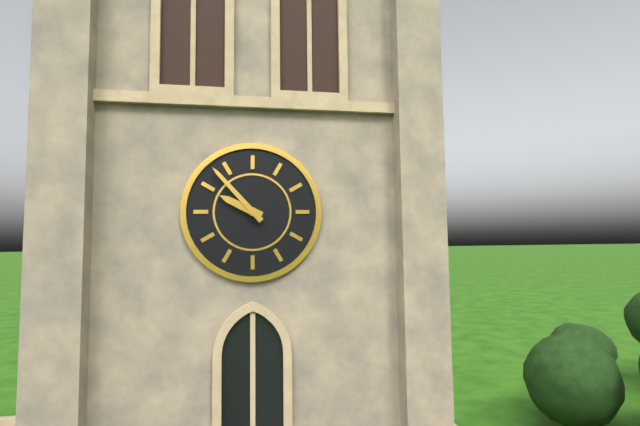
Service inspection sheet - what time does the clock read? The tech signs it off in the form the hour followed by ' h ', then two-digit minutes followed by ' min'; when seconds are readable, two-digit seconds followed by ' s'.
9 h 53 min
